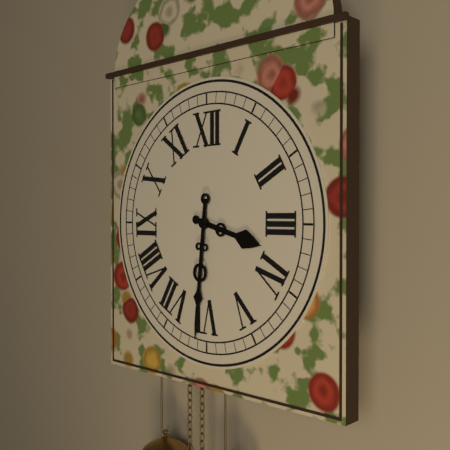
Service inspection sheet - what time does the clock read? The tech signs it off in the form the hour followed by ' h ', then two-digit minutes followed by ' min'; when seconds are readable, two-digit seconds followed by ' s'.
3 h 31 min
